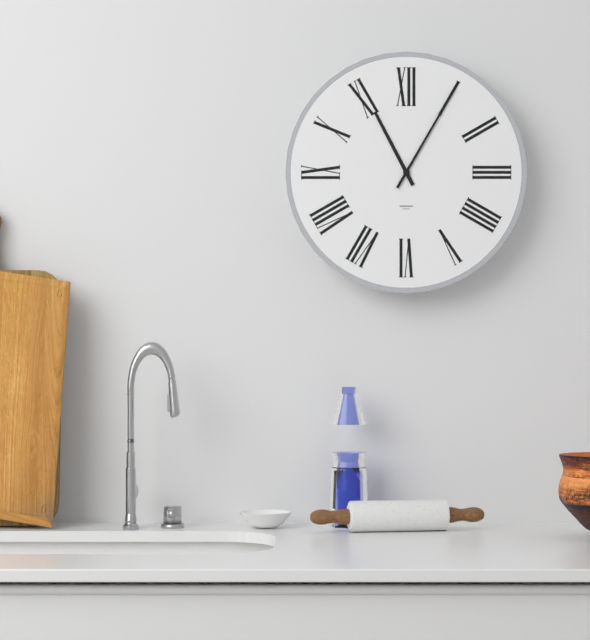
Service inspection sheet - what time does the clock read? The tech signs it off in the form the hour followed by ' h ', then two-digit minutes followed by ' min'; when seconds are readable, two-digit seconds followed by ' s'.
11 h 05 min
